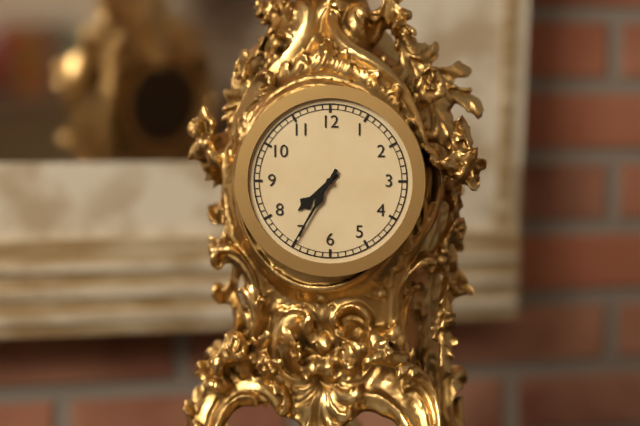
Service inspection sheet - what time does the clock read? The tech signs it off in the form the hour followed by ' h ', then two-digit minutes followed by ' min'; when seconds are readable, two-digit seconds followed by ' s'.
7 h 35 min
